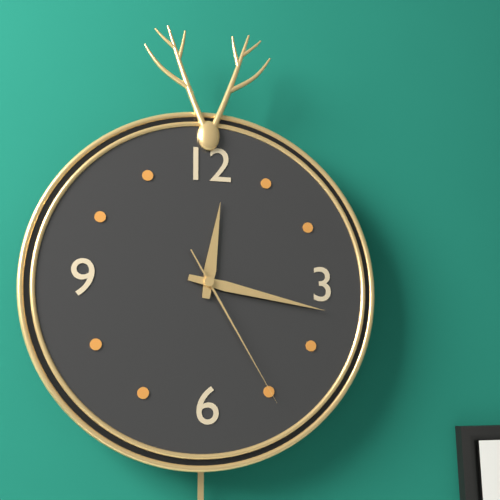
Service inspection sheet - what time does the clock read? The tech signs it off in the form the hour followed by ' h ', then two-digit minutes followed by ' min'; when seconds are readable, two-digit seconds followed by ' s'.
12 h 17 min 25 s
